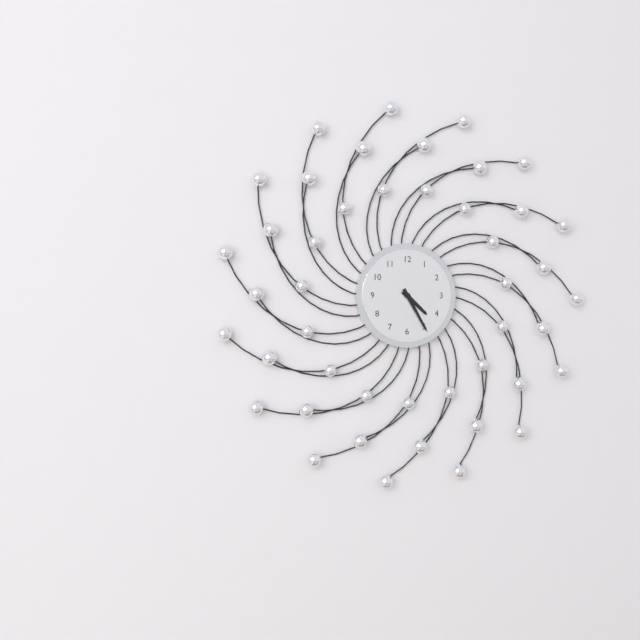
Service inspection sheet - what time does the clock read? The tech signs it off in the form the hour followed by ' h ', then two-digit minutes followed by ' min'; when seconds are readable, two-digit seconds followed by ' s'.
4 h 25 min
